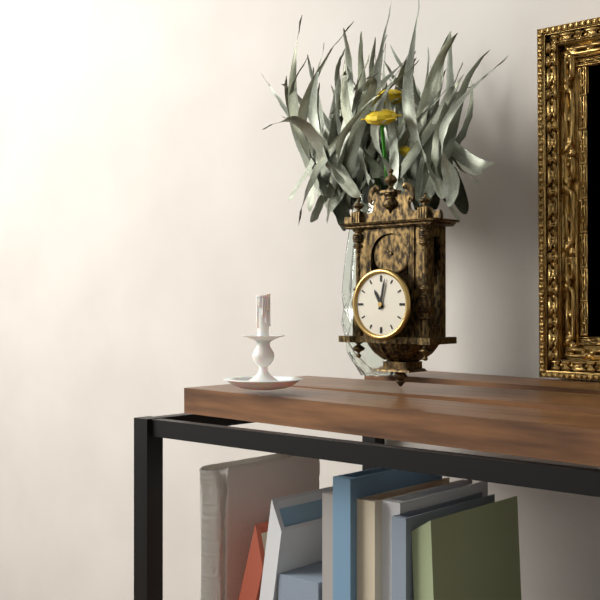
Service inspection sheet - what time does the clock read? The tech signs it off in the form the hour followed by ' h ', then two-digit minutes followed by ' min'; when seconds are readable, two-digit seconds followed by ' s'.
11 h 02 min
